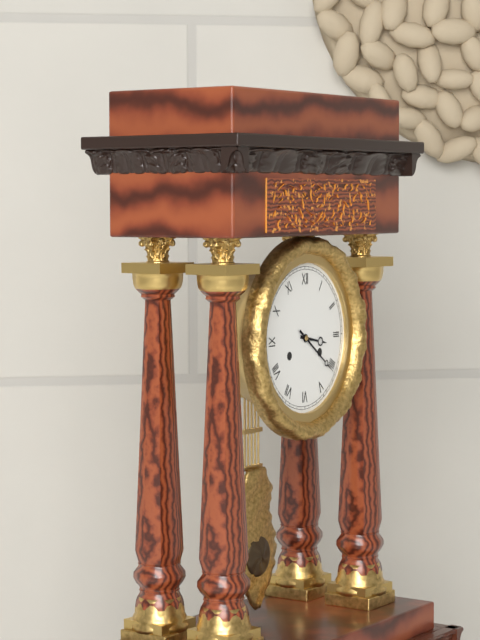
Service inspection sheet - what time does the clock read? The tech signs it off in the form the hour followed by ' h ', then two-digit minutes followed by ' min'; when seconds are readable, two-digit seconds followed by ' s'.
3 h 21 min
